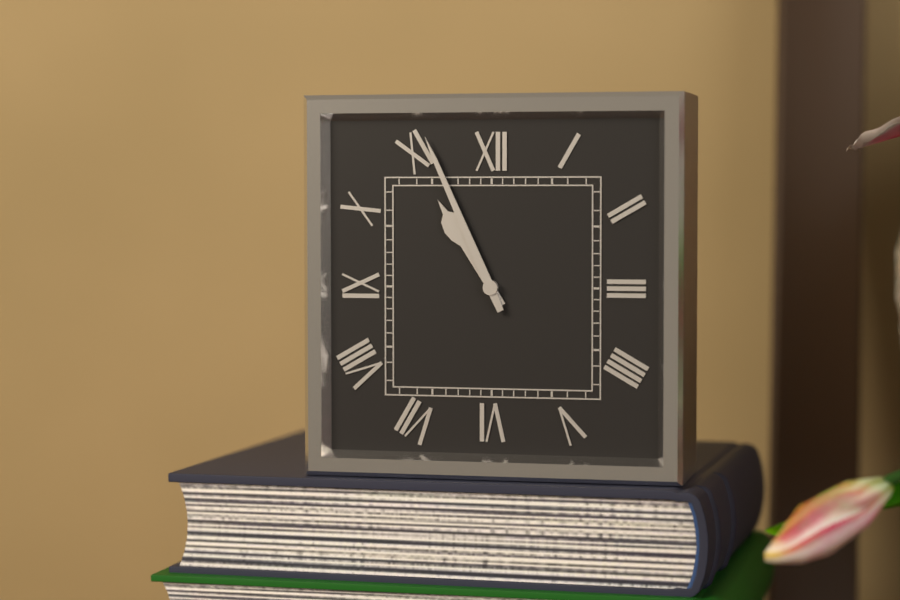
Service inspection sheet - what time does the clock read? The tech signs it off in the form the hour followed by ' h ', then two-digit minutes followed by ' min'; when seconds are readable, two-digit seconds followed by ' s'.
10 h 56 min
